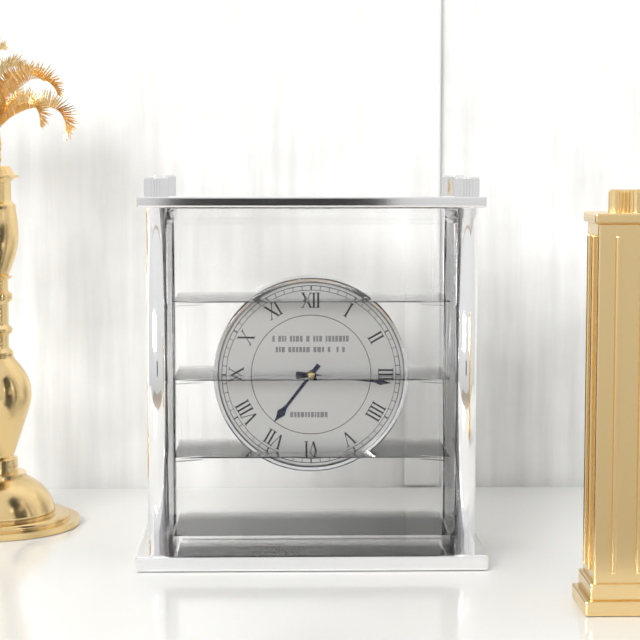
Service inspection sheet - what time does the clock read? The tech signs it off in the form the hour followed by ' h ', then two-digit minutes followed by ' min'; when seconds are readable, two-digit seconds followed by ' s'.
7 h 16 min
